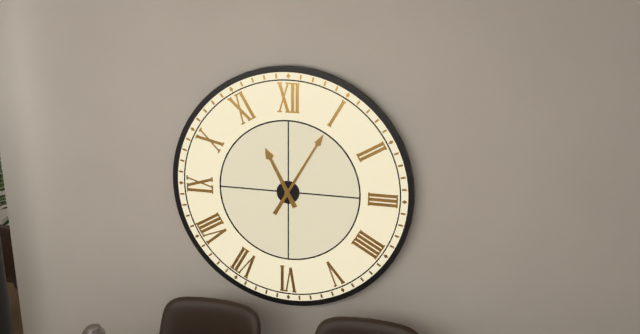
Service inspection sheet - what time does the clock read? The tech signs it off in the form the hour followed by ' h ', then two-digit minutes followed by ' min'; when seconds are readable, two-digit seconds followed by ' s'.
11 h 05 min
